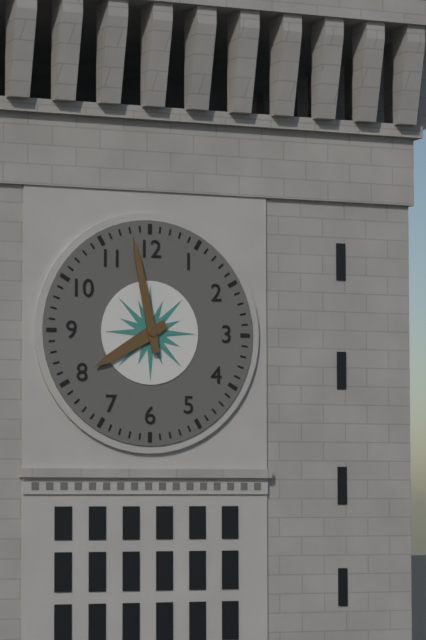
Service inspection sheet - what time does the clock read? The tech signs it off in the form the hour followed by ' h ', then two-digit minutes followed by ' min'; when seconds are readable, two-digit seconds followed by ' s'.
7 h 58 min
